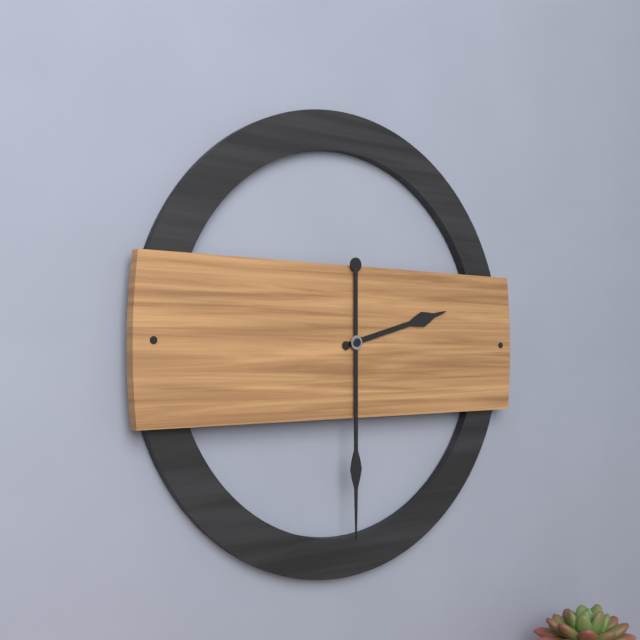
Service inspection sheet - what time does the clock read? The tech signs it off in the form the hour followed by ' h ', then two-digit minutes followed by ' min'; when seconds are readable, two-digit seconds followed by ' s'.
2 h 30 min
